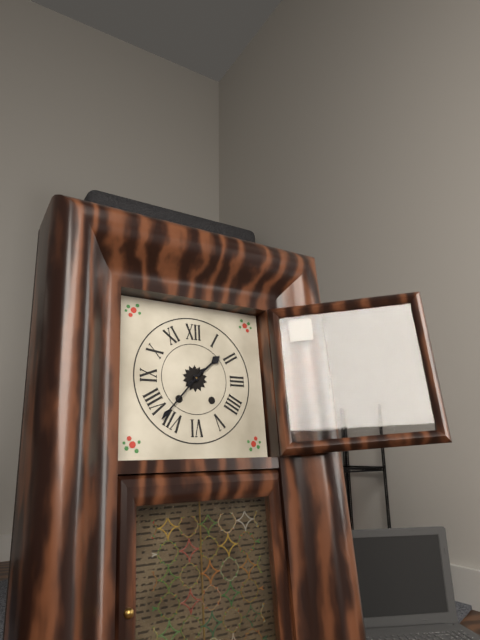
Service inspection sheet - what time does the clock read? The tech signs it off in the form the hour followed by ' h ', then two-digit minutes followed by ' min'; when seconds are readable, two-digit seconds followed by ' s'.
1 h 37 min
